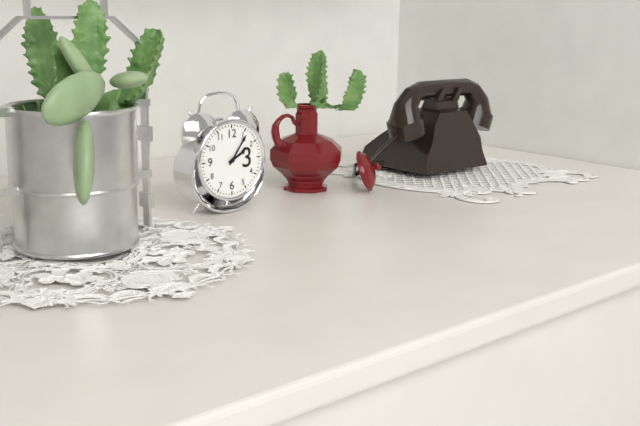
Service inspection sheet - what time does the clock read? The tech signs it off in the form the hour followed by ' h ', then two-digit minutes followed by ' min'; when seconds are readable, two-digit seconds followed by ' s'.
2 h 06 min
